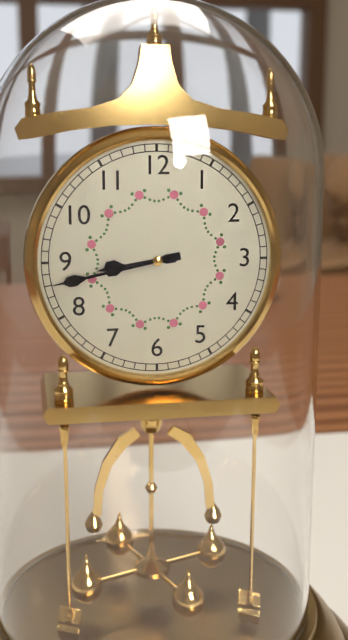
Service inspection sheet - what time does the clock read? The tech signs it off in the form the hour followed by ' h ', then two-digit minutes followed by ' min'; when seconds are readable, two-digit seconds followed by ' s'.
8 h 43 min
